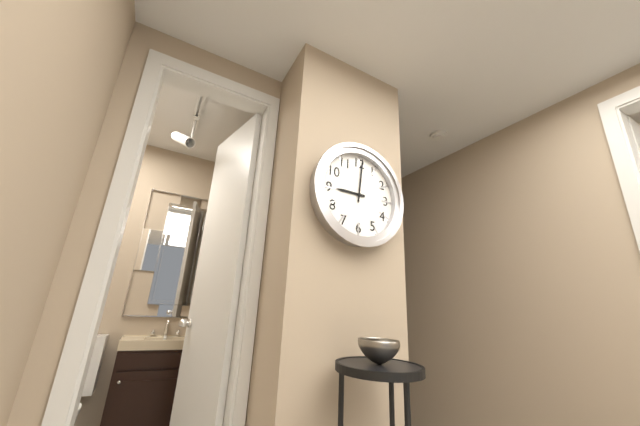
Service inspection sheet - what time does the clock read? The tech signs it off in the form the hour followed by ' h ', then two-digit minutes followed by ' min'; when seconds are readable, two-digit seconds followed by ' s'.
9 h 01 min
